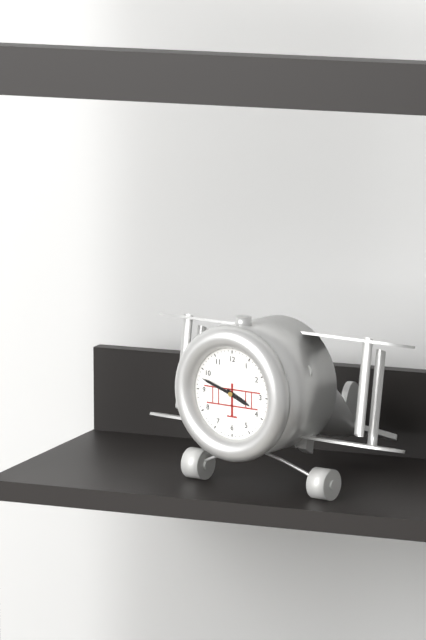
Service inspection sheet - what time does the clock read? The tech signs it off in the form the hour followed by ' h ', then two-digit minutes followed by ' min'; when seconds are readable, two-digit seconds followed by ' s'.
3 h 48 min
